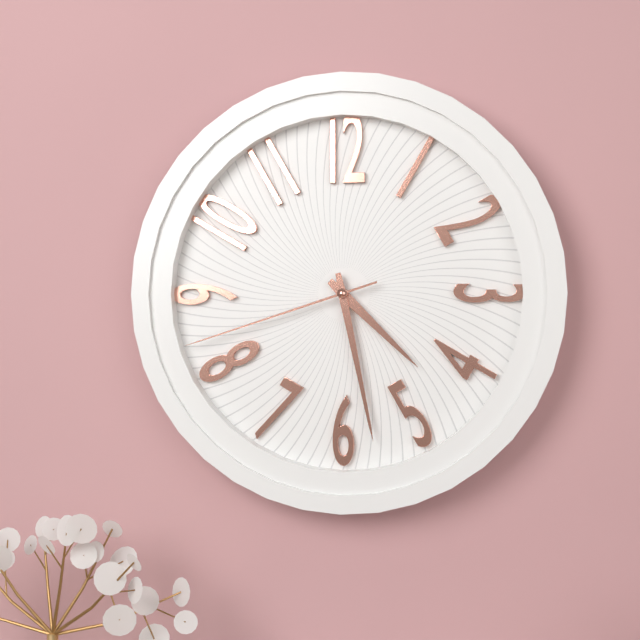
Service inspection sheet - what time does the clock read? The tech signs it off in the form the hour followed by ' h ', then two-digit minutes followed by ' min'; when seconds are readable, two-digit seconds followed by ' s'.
4 h 28 min 42 s
